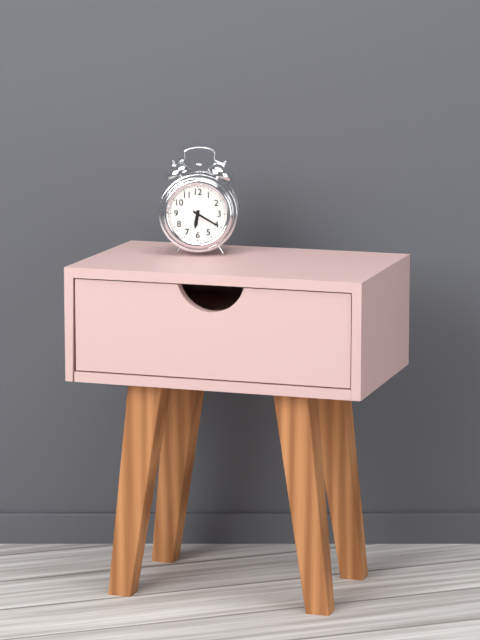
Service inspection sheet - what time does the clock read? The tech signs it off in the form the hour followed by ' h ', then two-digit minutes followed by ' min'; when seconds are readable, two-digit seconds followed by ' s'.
6 h 20 min
